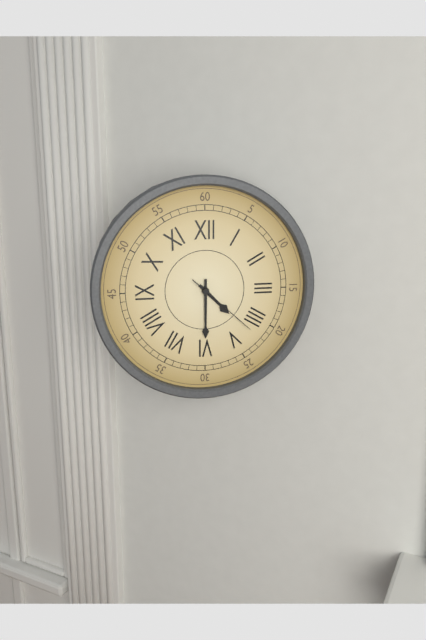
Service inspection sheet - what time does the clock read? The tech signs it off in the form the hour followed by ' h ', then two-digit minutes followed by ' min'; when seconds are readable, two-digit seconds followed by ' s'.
4 h 30 min 22 s
